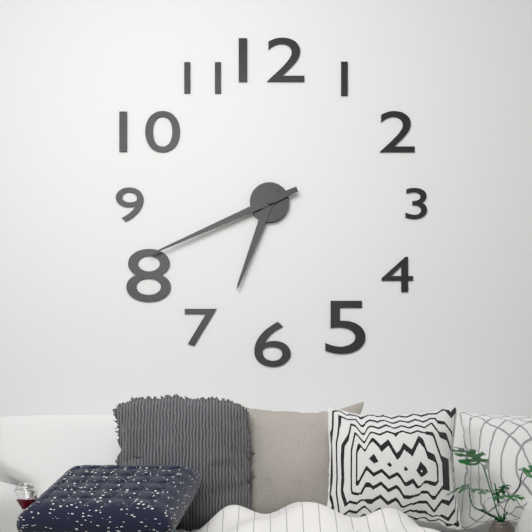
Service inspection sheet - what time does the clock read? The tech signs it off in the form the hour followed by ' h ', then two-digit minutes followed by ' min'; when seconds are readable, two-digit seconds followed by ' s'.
6 h 41 min
